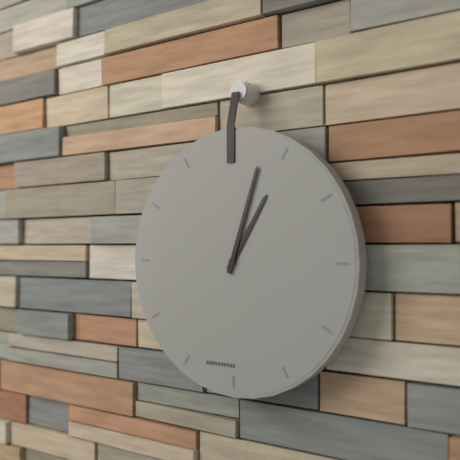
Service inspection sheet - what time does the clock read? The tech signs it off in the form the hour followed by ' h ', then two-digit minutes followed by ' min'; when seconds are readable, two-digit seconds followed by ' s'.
1 h 03 min
